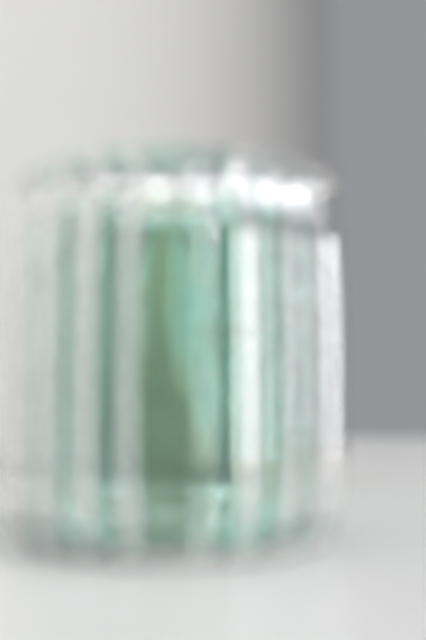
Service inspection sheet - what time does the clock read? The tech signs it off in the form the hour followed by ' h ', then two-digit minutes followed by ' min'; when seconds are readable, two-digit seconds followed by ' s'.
7 h 07 min 35 s
